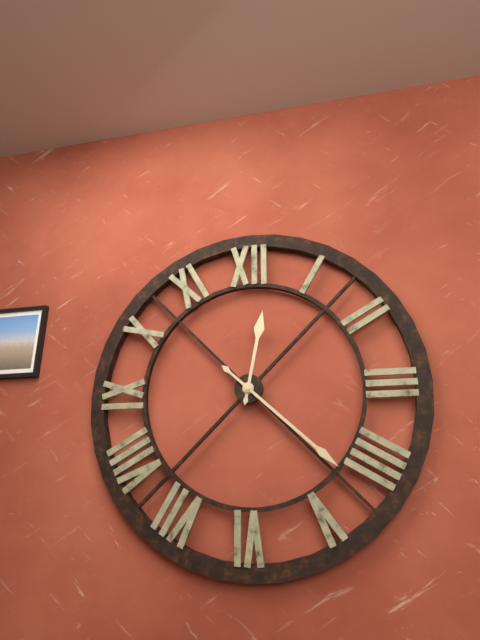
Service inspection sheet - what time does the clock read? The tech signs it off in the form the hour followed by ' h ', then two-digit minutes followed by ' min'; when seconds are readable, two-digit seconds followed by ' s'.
12 h 22 min
